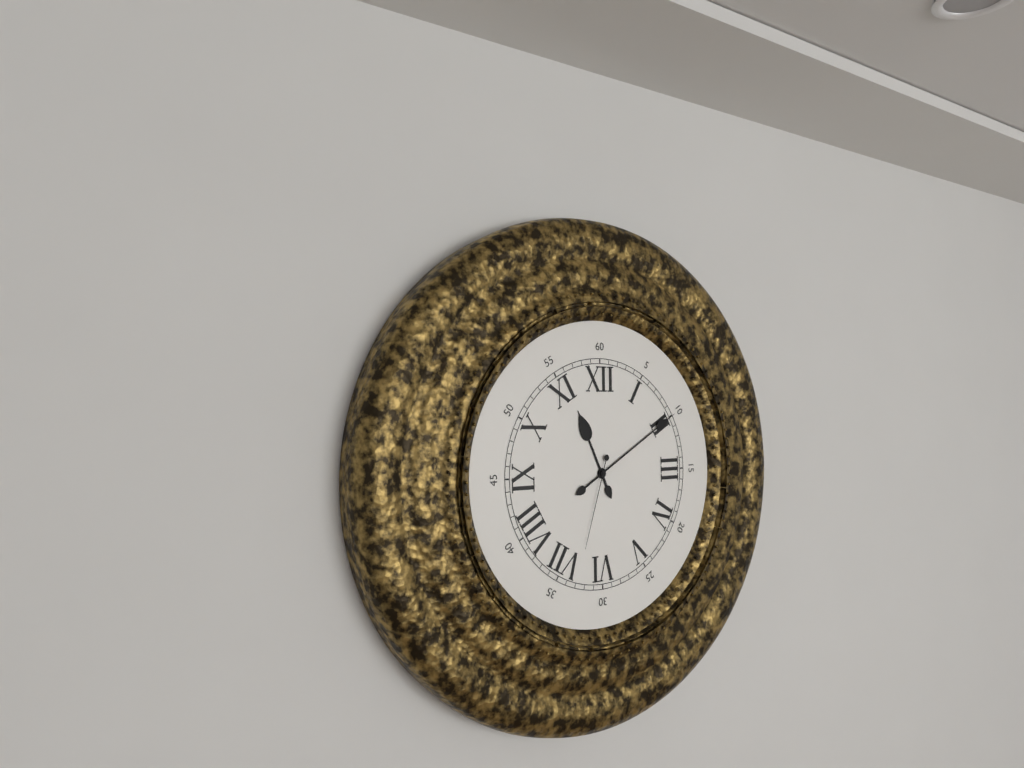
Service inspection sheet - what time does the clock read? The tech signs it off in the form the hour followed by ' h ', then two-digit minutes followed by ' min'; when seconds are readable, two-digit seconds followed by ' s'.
11 h 10 min 33 s
